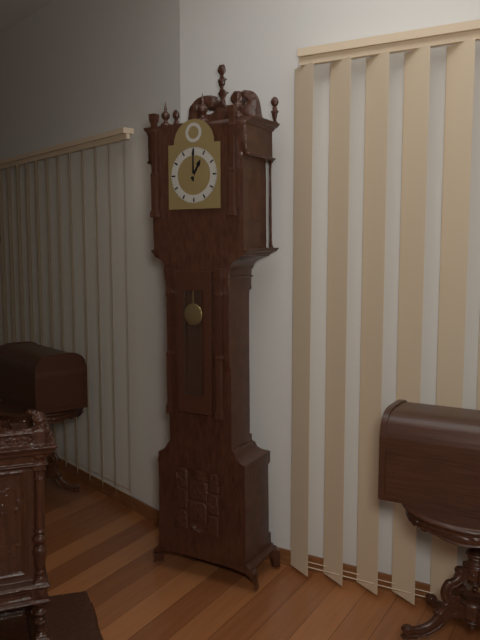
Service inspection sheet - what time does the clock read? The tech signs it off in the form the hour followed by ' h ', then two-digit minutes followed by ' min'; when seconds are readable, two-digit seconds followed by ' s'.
1 h 00 min
